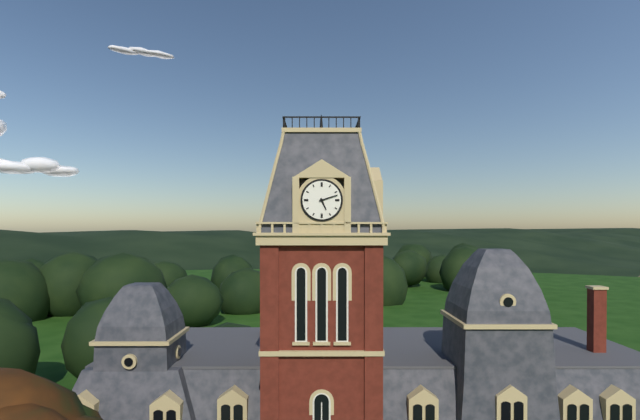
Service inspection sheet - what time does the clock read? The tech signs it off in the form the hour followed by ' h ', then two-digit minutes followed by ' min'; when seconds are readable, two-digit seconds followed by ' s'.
5 h 12 min
